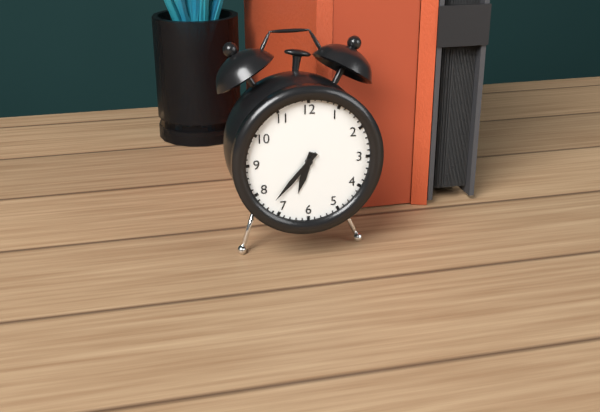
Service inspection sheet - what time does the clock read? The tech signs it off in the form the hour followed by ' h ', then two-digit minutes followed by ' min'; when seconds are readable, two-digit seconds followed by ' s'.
6 h 37 min
